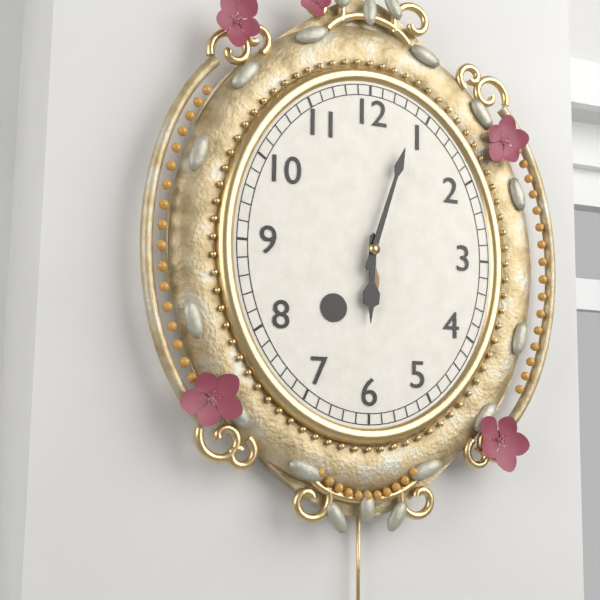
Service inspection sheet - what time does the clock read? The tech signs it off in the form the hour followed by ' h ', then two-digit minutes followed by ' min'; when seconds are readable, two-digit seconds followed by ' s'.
6 h 03 min
